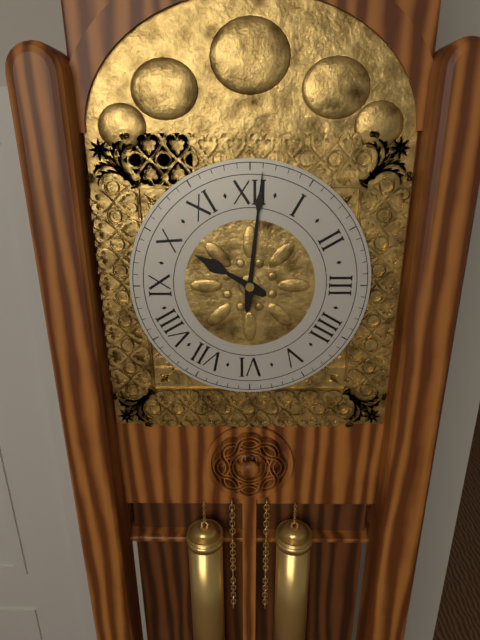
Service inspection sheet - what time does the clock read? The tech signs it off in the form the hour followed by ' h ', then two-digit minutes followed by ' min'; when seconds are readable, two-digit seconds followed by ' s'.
10 h 01 min
